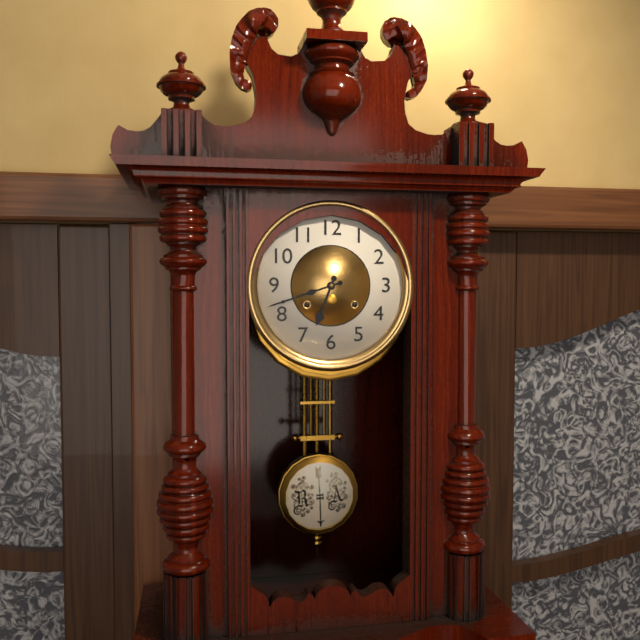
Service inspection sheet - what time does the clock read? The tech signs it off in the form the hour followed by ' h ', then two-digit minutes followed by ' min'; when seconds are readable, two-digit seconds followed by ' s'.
6 h 42 min
